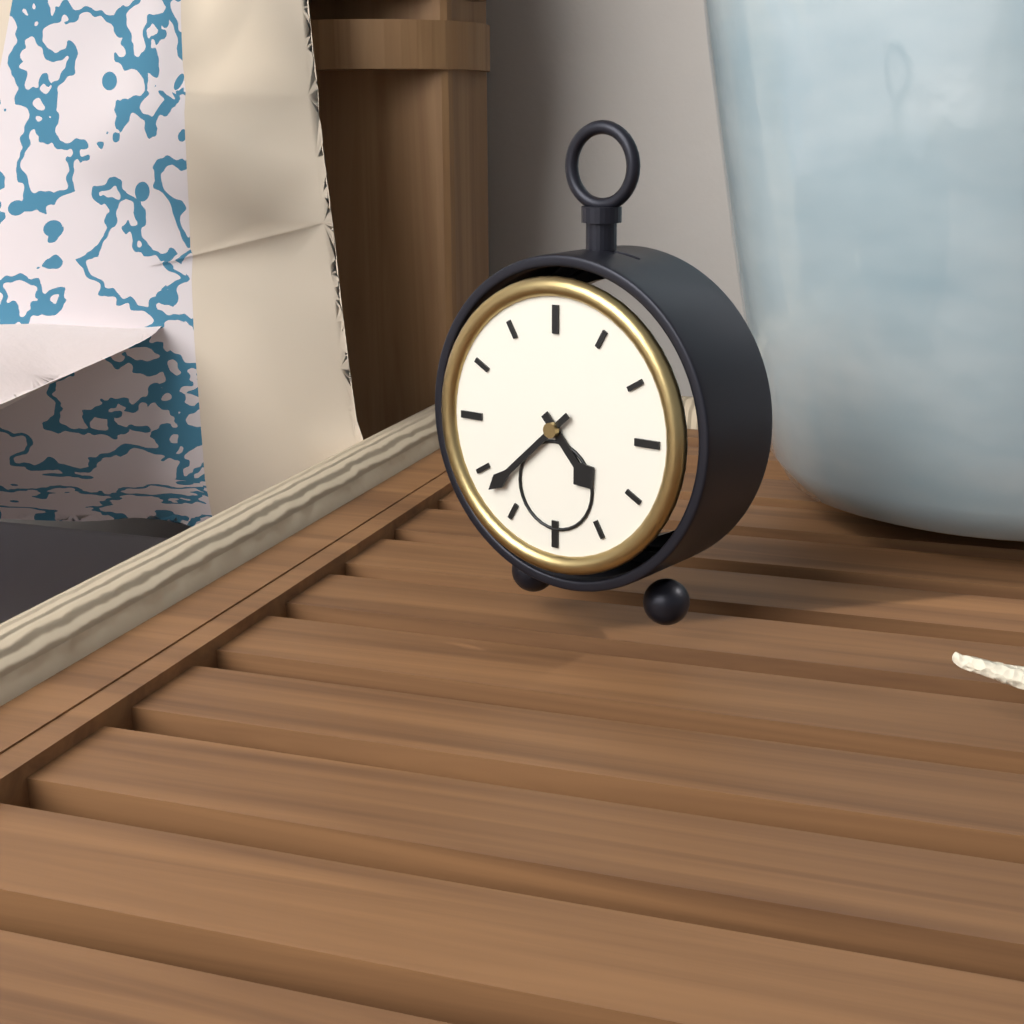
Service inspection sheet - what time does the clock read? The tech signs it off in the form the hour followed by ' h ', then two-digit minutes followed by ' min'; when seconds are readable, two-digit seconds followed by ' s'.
4 h 38 min
